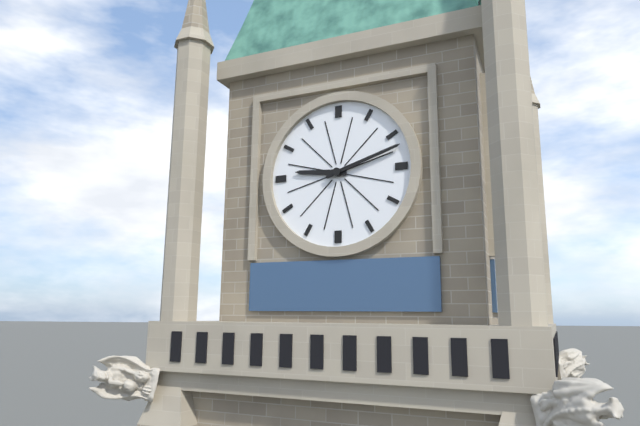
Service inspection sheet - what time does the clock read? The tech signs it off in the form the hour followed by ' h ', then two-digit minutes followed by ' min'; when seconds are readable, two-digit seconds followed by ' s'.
9 h 12 min
